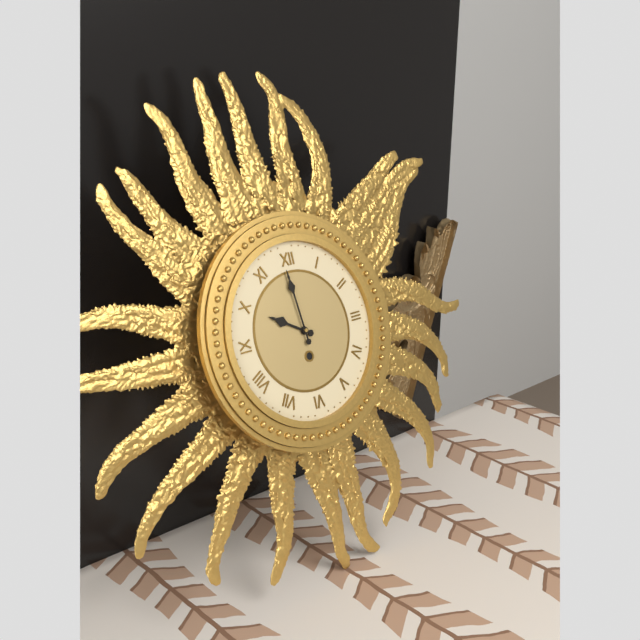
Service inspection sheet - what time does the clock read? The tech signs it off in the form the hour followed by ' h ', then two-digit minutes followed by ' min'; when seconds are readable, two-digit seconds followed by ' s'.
9 h 59 min
